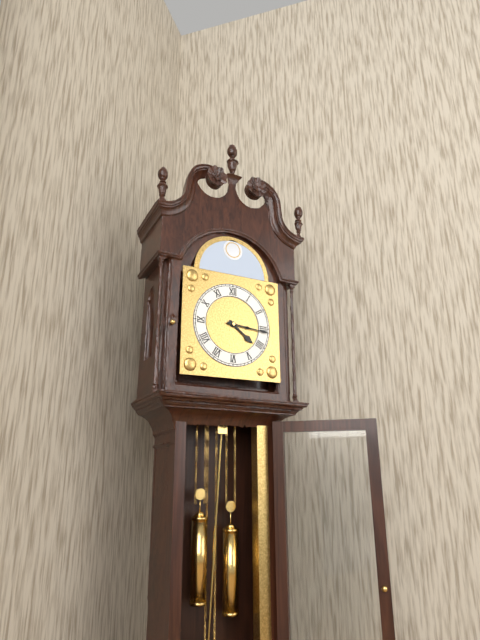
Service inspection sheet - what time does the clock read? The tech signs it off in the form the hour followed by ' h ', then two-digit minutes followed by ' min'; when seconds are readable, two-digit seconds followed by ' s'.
4 h 16 min
